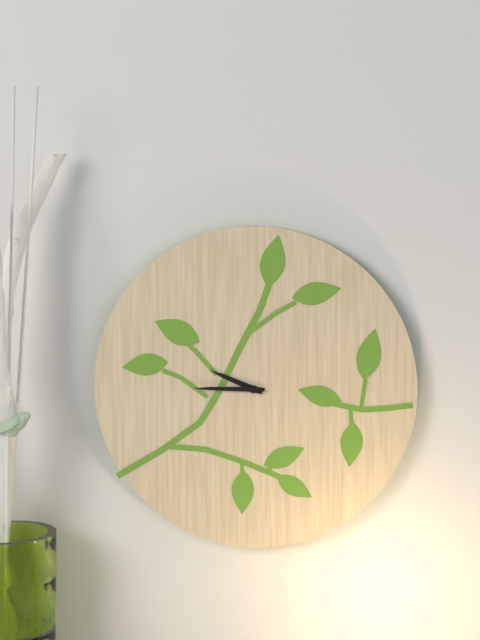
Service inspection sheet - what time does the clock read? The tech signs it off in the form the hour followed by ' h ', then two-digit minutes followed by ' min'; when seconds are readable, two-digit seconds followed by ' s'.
9 h 45 min
